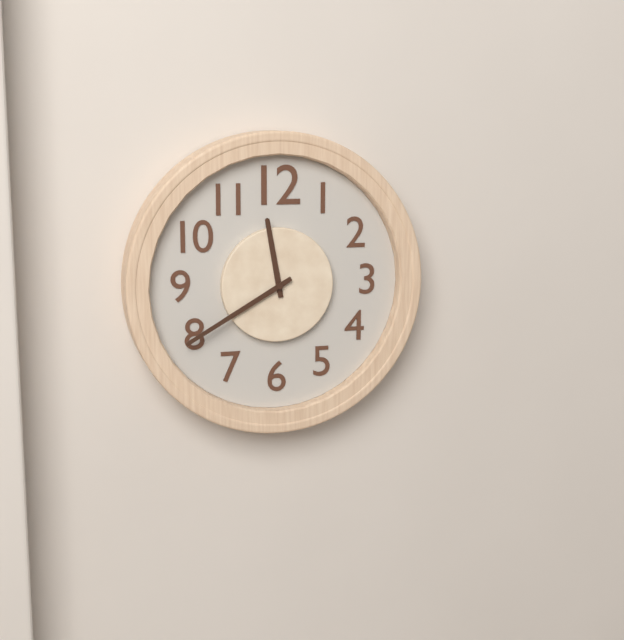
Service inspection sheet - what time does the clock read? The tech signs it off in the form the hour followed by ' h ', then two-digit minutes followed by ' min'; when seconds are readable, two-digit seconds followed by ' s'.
11 h 40 min
